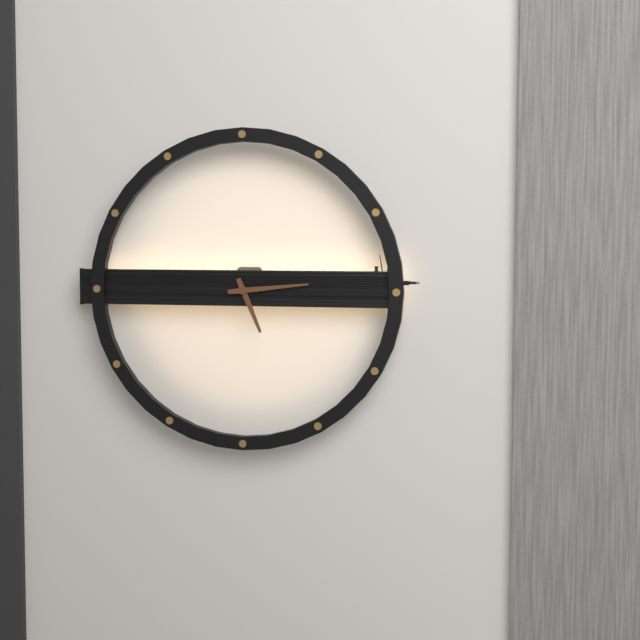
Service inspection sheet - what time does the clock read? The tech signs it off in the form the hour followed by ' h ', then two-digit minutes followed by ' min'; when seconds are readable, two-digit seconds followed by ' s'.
5 h 14 min
